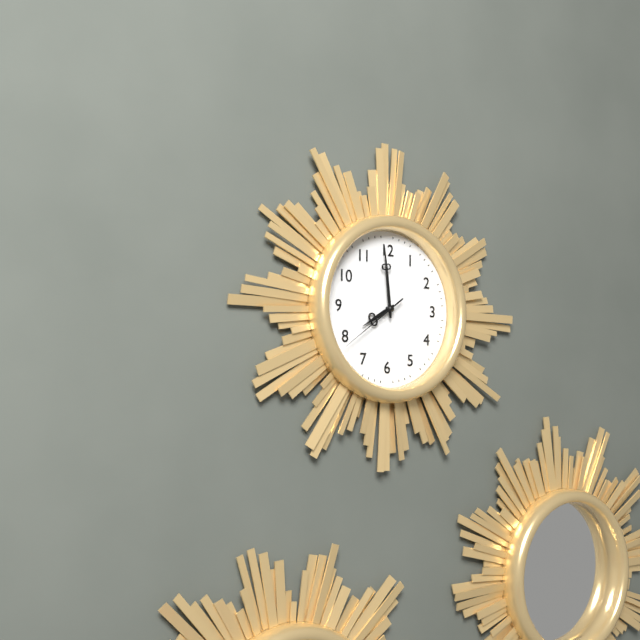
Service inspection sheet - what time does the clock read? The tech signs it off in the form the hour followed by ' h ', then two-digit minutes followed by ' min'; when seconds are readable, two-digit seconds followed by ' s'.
7 h 59 min 39 s
